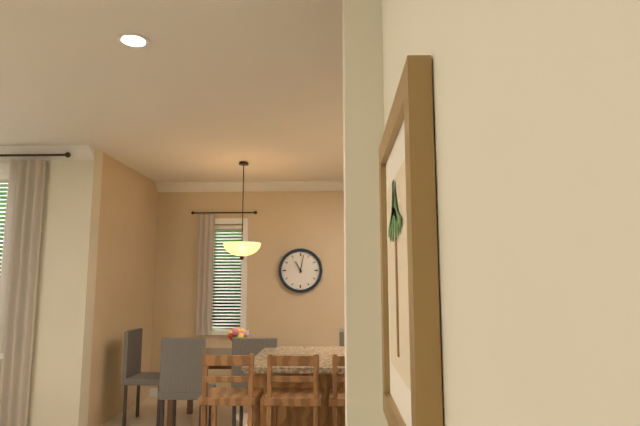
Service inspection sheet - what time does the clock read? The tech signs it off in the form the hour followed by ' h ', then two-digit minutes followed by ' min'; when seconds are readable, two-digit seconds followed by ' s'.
11 h 02 min
